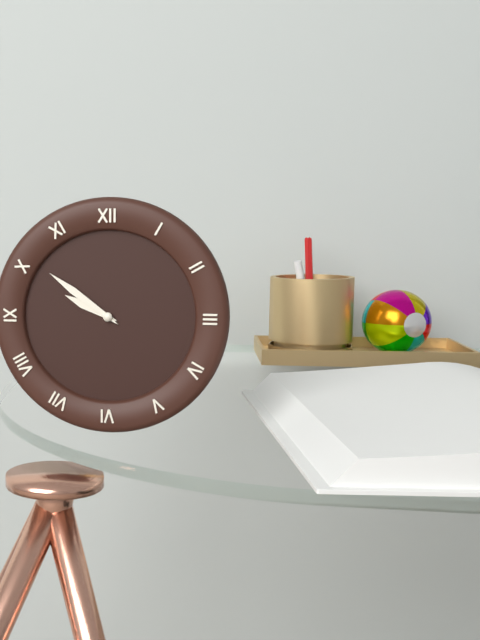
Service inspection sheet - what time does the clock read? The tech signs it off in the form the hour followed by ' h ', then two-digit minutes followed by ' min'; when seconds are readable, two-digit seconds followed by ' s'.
9 h 51 min
